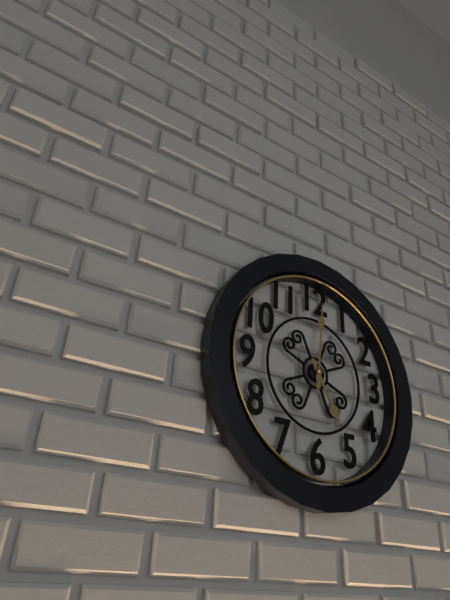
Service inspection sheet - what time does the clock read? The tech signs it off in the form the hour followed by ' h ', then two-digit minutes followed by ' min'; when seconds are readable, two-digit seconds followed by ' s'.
5 h 01 min
